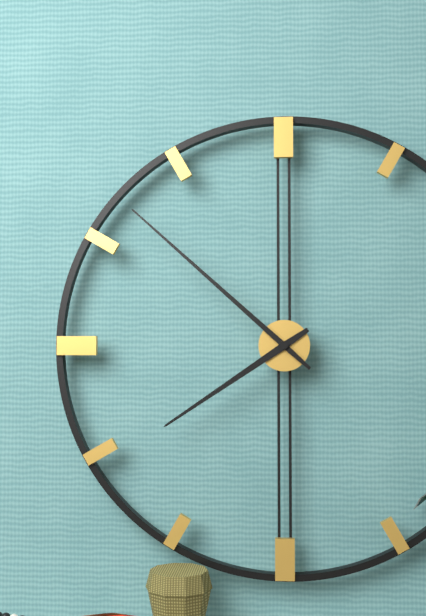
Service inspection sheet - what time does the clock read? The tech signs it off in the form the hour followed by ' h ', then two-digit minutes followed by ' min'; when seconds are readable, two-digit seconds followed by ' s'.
7 h 52 min
